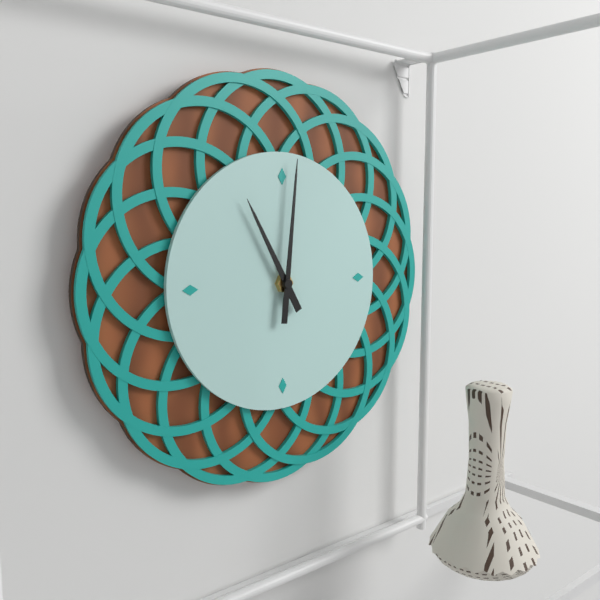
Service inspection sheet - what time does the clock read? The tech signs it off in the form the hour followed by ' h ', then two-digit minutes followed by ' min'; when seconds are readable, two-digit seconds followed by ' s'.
11 h 01 min
